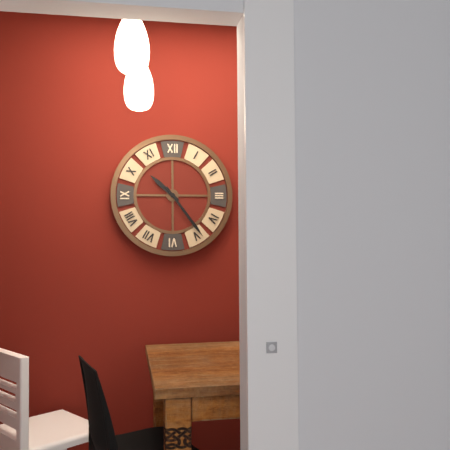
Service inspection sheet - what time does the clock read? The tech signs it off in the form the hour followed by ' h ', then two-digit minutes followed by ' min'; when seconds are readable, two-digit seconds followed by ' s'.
10 h 24 min
